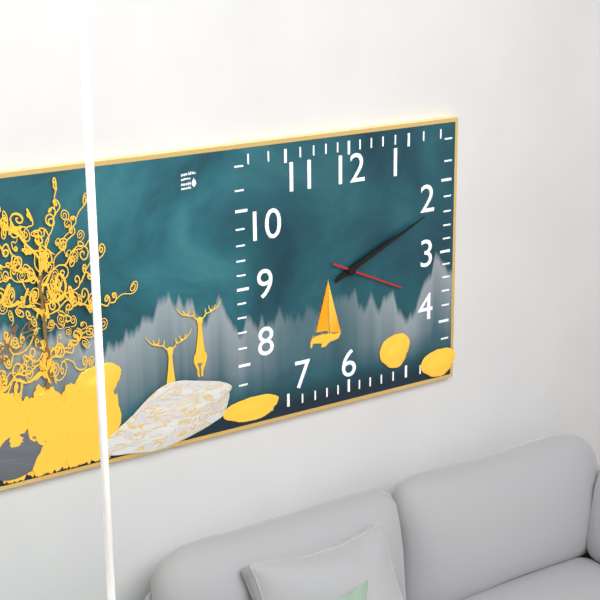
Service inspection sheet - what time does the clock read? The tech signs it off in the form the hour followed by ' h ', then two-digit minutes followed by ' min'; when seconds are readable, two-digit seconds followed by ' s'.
2 h 11 min 19 s
